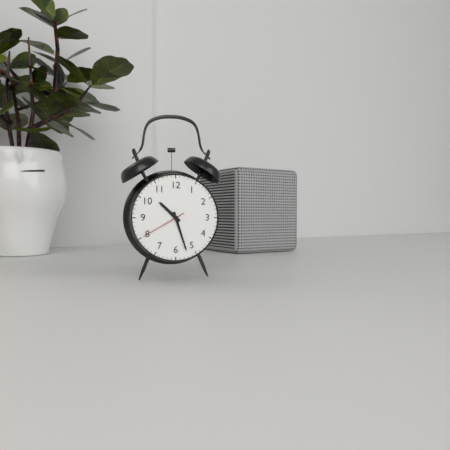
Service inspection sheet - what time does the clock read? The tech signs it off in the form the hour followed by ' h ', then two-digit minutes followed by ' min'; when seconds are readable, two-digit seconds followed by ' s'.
10 h 27 min
